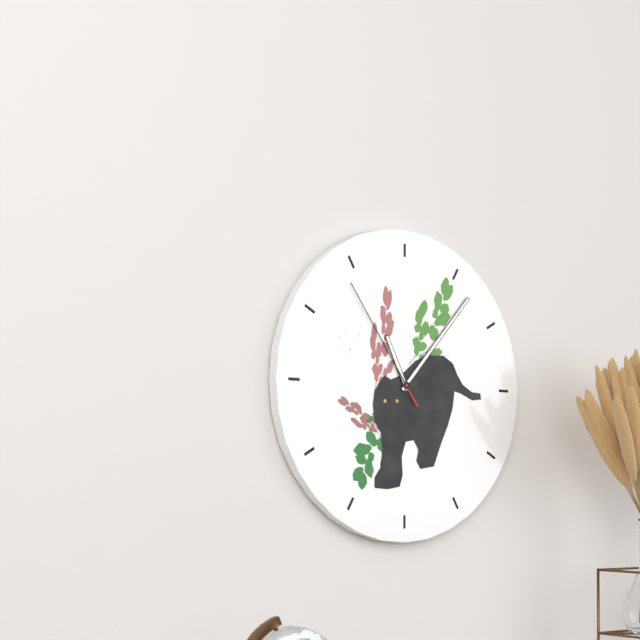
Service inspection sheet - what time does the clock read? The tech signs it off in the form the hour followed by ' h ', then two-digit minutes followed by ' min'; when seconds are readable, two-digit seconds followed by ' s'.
11 h 07 min 54 s
